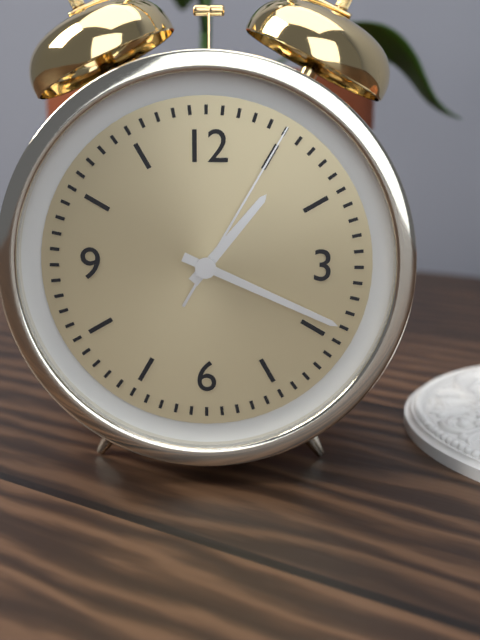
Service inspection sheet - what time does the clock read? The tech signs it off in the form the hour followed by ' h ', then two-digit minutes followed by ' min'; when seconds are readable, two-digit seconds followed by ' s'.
1 h 19 min 05 s
